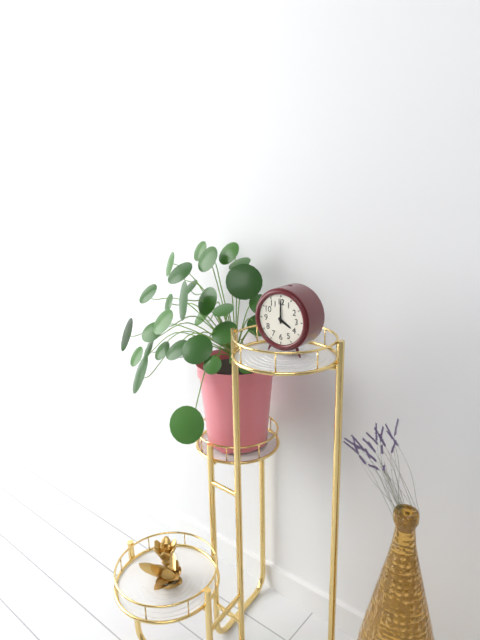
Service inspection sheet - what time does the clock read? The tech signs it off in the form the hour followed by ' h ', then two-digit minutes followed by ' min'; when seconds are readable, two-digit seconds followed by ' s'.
4 h 00 min
